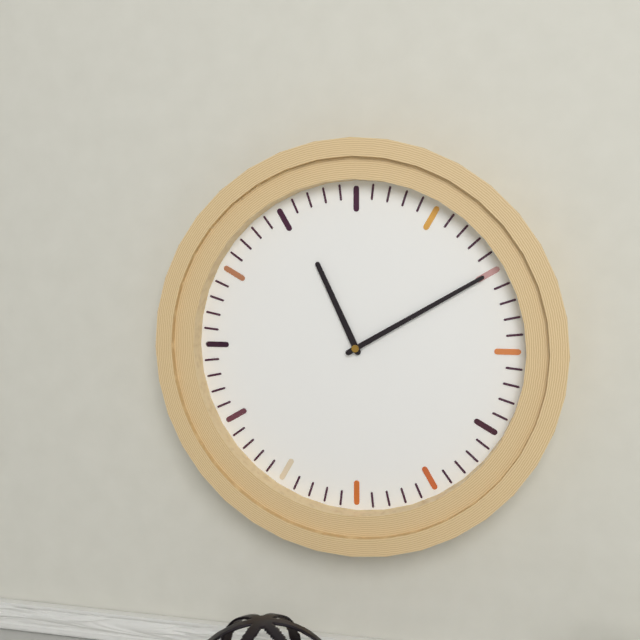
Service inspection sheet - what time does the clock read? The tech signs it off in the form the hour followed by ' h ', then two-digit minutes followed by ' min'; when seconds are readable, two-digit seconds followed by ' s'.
11 h 10 min
